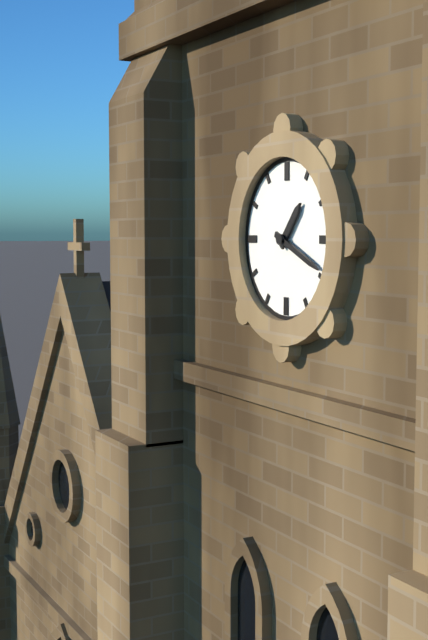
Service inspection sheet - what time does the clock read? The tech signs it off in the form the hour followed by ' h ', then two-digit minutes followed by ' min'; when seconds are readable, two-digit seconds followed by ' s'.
1 h 19 min
